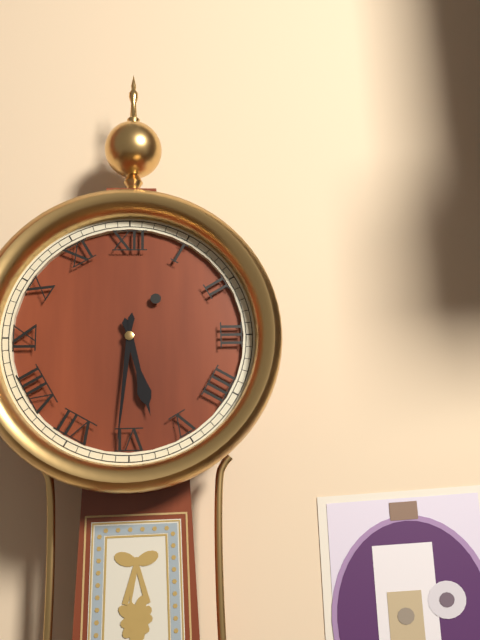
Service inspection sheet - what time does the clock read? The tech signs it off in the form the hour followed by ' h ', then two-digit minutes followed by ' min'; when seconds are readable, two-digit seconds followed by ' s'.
5 h 31 min
